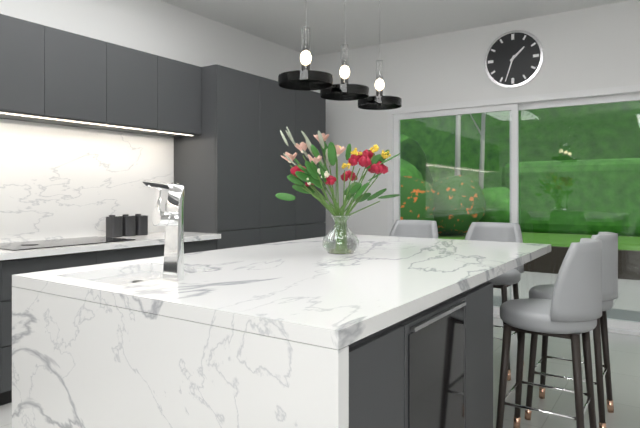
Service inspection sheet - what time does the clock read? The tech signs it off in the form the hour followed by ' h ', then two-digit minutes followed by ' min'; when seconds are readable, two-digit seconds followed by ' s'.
1 h 33 min
